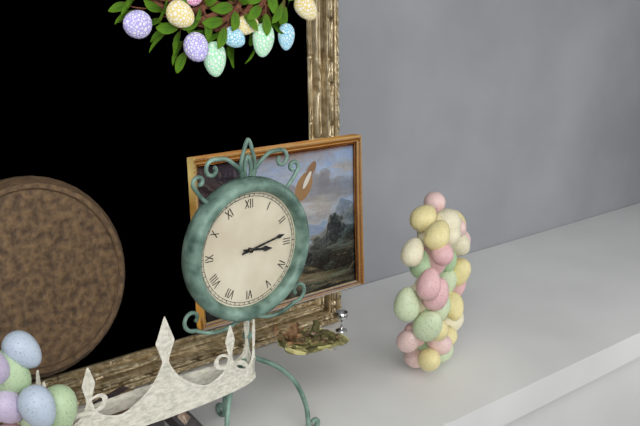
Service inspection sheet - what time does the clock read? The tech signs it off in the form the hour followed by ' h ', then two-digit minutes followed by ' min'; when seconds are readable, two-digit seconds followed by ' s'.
3 h 13 min
